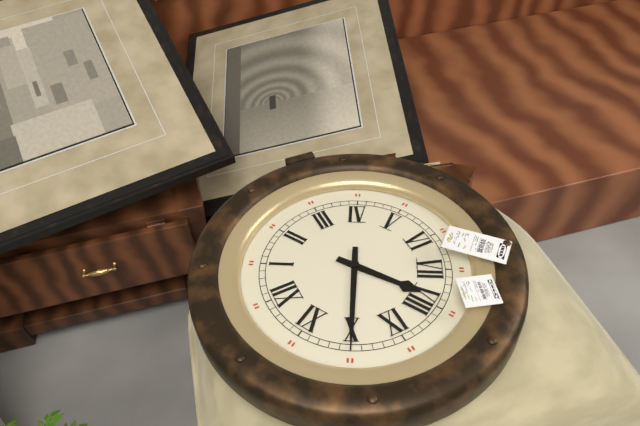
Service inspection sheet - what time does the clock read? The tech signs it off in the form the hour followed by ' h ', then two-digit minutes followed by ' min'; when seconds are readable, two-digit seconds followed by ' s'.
7 h 50 min
